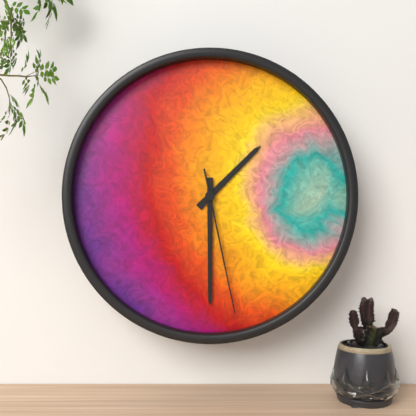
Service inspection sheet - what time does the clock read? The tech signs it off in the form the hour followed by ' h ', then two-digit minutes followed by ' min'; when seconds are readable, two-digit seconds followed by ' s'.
1 h 30 min 28 s
